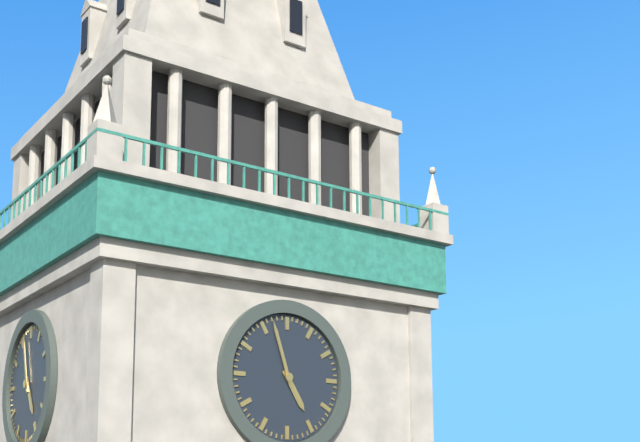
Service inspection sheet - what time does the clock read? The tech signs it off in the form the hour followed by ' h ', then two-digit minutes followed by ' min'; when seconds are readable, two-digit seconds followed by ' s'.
4 h 57 min
